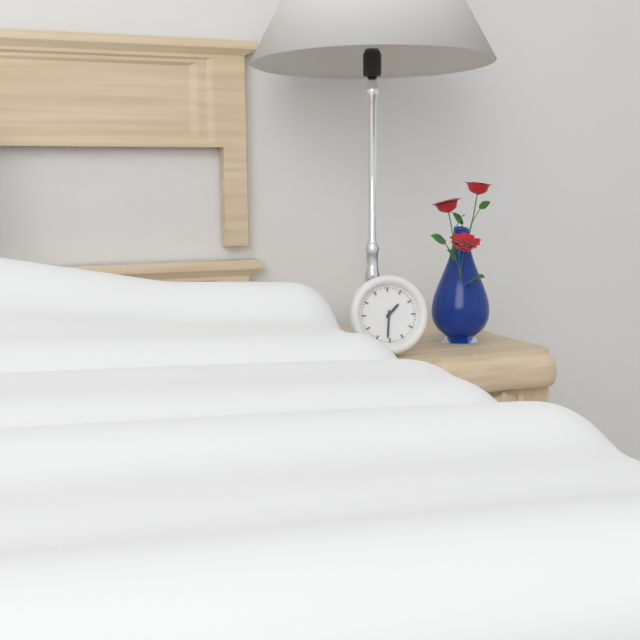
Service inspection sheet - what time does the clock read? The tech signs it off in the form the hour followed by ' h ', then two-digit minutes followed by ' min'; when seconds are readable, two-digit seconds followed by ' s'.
1 h 31 min
